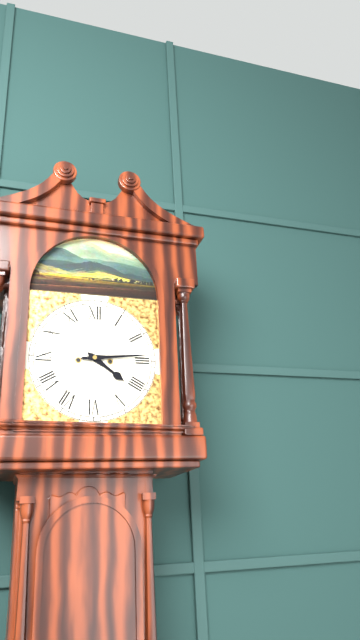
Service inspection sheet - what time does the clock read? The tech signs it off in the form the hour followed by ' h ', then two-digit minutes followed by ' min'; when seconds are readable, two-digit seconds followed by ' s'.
4 h 14 min
